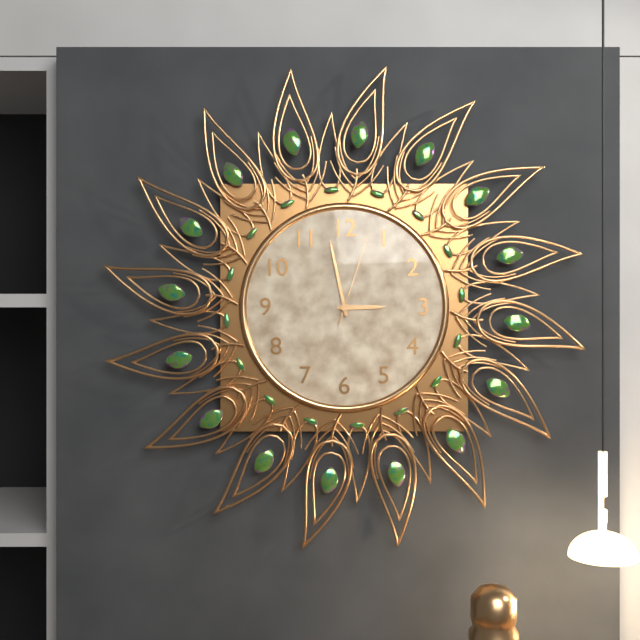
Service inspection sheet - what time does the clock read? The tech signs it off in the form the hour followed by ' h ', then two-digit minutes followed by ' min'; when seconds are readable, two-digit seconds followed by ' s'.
2 h 58 min 03 s
